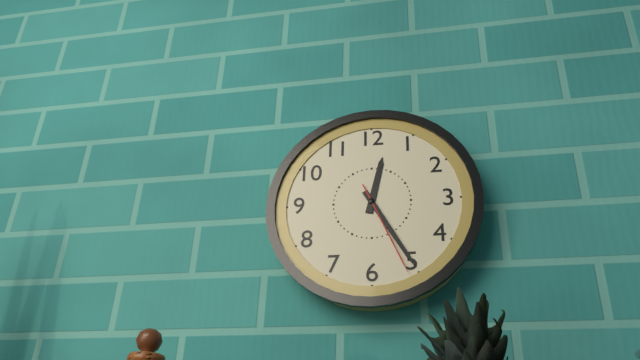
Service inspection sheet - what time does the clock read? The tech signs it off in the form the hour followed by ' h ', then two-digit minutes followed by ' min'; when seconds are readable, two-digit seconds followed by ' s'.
12 h 25 min 26 s
